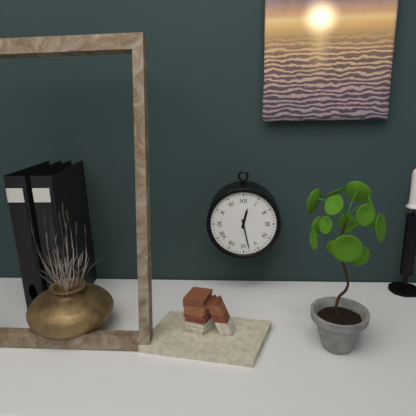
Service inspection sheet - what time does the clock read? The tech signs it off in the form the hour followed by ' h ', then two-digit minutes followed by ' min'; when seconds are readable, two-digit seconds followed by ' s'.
12 h 28 min
